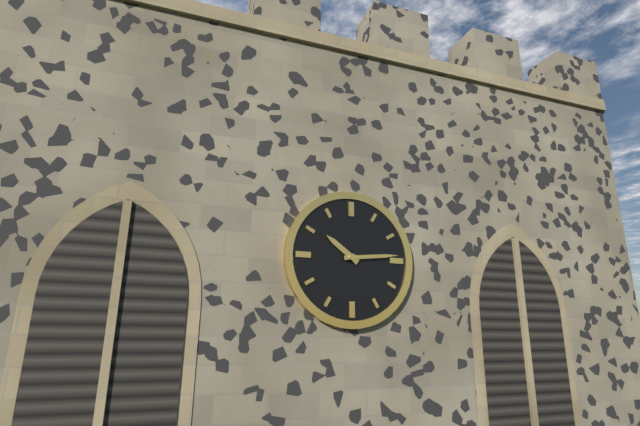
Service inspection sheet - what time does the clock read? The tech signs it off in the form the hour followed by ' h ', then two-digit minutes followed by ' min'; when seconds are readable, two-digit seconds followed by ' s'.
10 h 14 min
